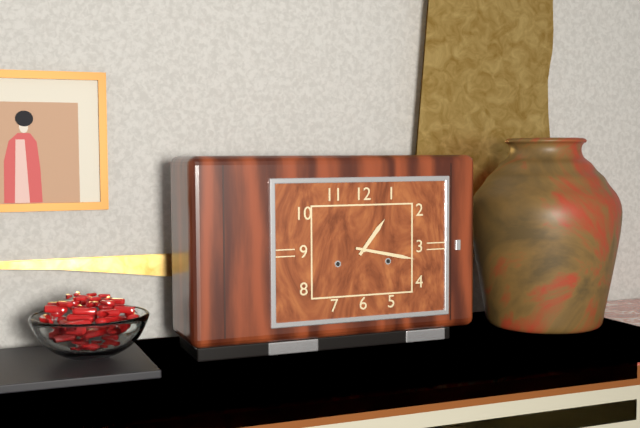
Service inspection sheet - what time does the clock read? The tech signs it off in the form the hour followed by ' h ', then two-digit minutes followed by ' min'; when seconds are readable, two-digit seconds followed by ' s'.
1 h 17 min
